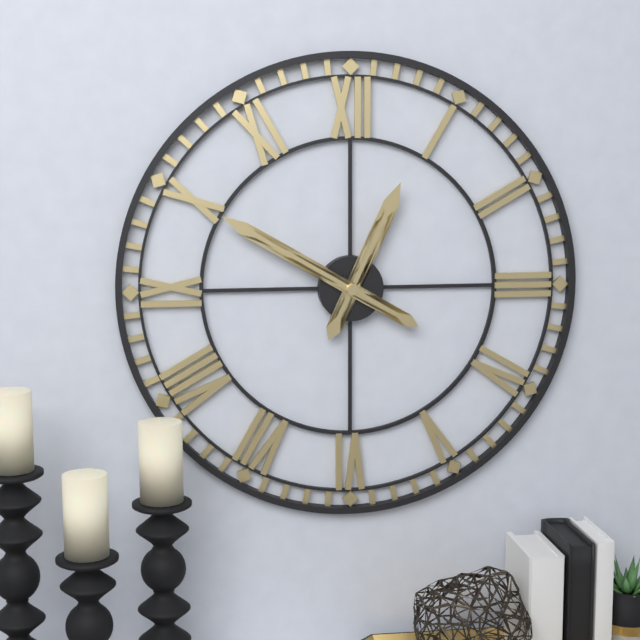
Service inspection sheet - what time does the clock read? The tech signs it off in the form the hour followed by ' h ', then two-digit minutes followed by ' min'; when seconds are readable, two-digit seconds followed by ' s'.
12 h 50 min
